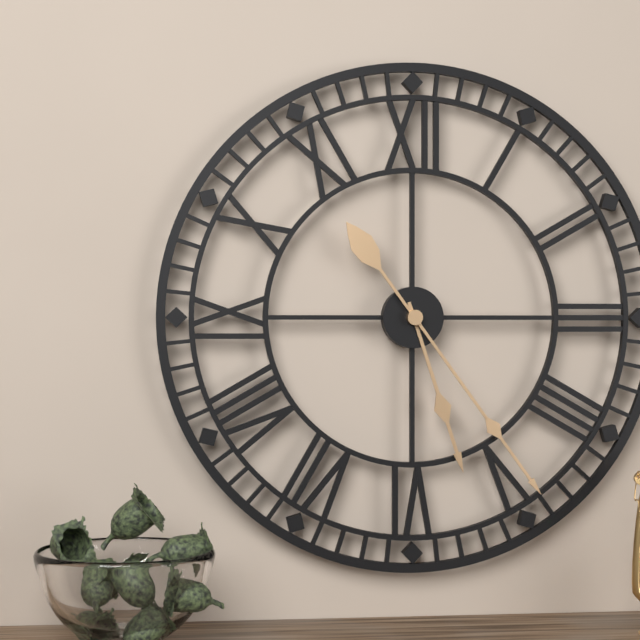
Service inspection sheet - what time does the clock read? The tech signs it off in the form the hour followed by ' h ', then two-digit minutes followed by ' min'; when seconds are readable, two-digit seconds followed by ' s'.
5 h 24 min
